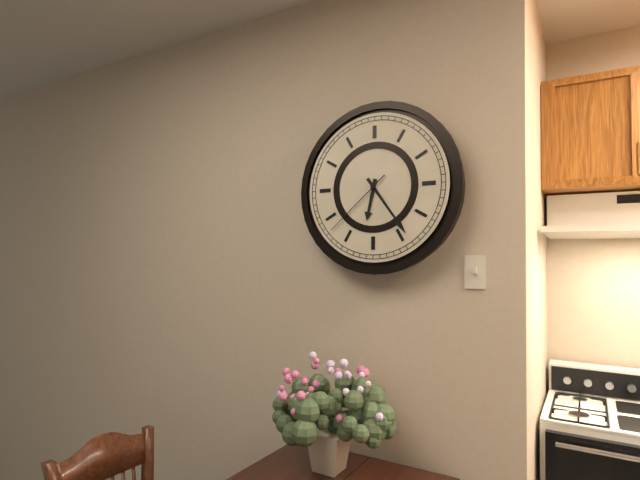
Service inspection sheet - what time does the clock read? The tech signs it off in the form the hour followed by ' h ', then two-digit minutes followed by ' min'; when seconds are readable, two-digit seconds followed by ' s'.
6 h 24 min 38 s
